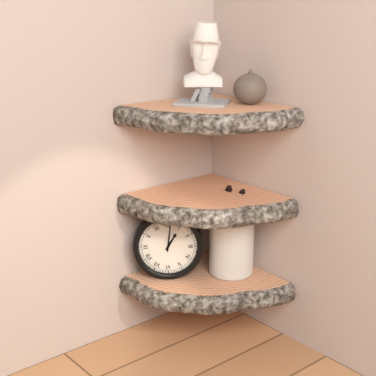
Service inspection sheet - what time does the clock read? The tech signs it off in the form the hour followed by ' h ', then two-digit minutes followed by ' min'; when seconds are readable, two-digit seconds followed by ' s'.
1 h 01 min
